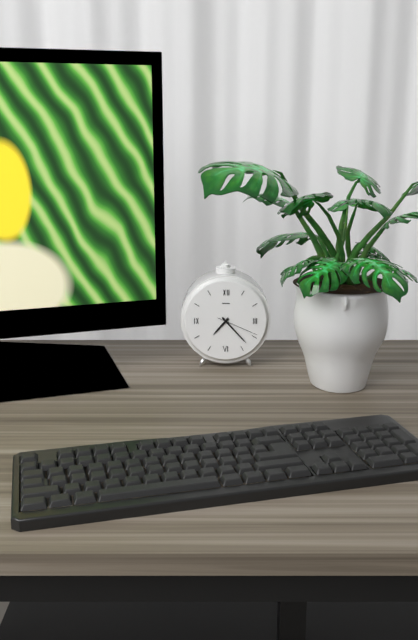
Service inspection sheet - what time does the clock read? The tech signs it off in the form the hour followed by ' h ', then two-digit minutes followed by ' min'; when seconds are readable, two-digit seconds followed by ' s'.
7 h 23 min
